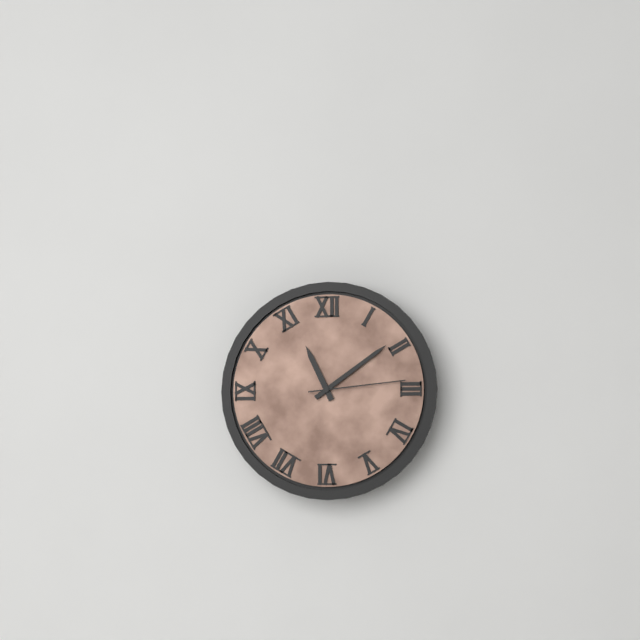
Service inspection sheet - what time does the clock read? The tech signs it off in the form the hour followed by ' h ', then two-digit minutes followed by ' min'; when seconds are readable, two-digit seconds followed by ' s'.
11 h 09 min 14 s
